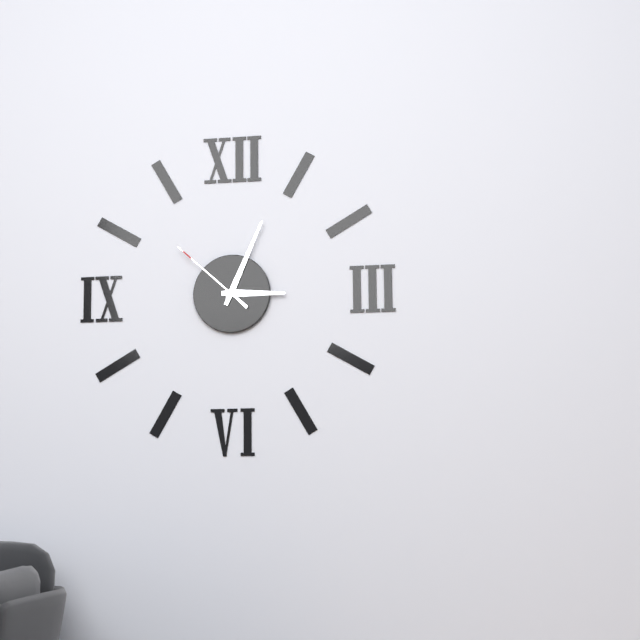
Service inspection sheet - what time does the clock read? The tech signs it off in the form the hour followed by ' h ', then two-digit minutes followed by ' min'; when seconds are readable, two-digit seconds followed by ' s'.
3 h 04 min 52 s
